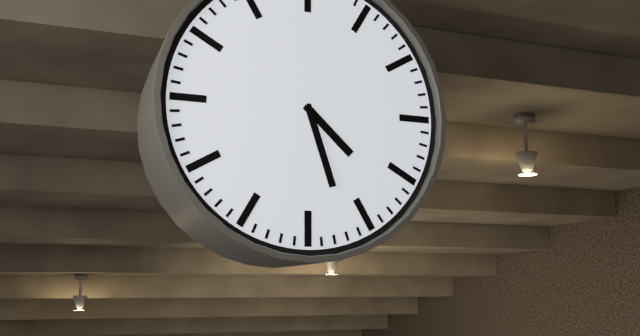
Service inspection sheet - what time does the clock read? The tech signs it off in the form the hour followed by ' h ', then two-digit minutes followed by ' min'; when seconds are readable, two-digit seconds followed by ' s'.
4 h 27 min
